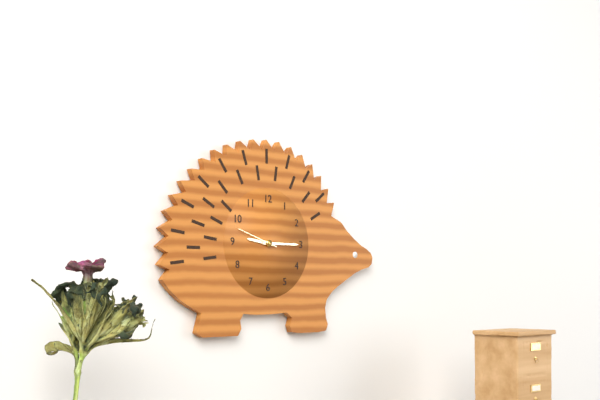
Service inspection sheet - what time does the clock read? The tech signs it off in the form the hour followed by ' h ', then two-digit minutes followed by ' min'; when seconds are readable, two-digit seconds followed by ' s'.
9 h 15 min
